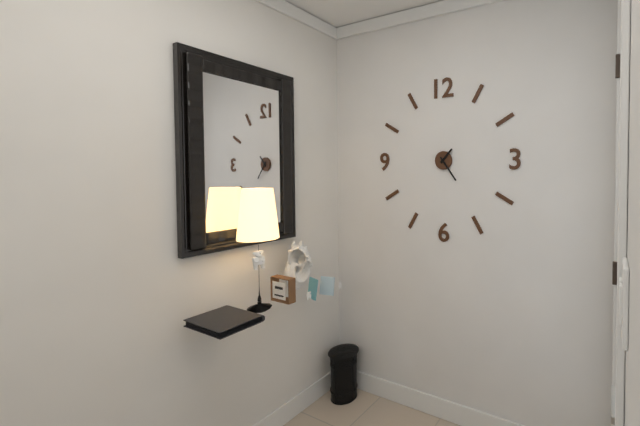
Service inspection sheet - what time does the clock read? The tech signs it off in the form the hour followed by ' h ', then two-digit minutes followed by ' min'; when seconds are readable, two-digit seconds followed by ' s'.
1 h 24 min
